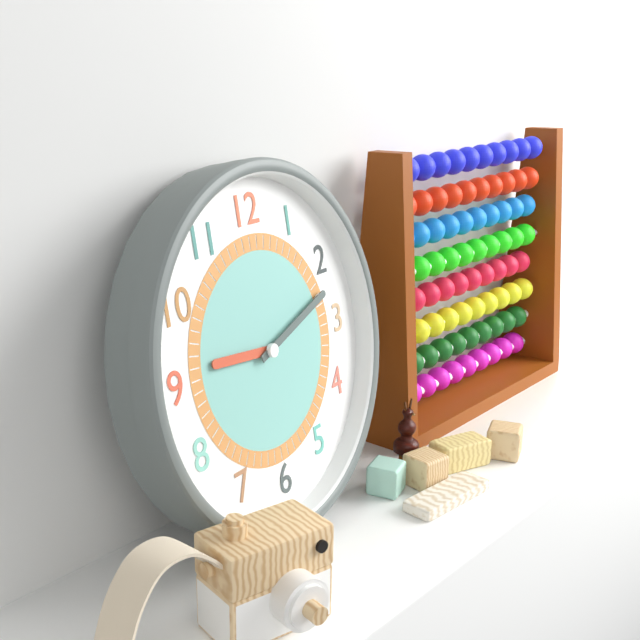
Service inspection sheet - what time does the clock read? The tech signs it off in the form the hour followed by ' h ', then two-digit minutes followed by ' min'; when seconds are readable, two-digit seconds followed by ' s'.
9 h 12 min
